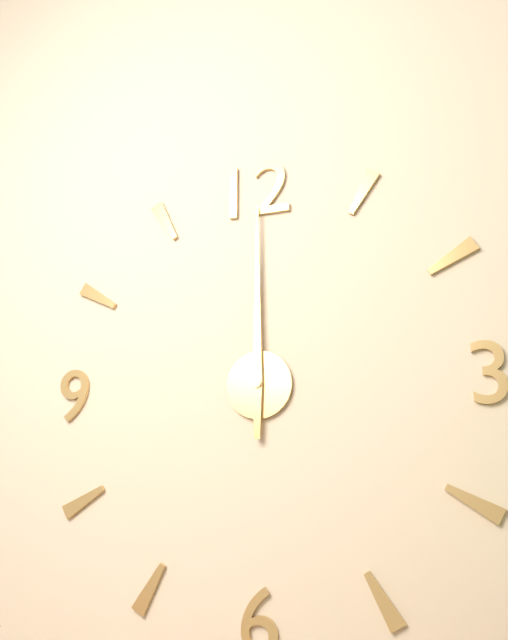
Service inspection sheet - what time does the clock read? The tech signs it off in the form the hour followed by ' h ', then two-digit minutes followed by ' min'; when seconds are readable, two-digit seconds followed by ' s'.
12 h 00 min
